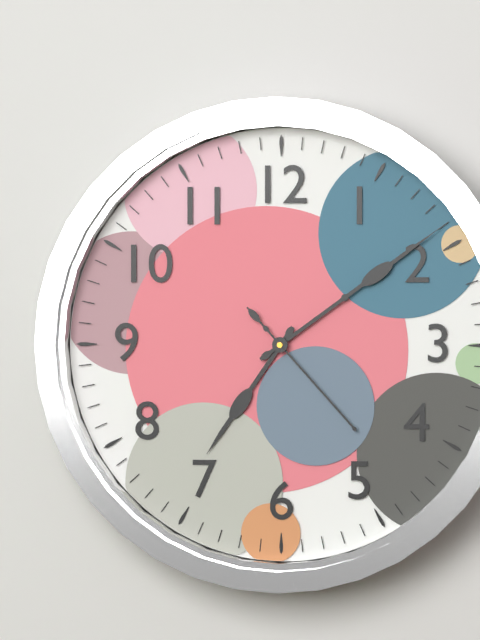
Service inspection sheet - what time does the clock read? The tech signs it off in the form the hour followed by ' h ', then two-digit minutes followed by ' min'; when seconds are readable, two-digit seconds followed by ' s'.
7 h 09 min 23 s
